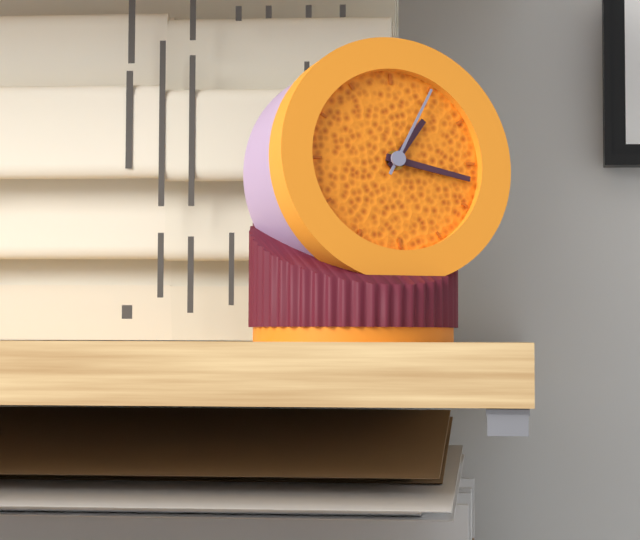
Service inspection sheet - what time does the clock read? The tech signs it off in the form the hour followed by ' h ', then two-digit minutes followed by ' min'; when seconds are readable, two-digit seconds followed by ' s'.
1 h 17 min 05 s
